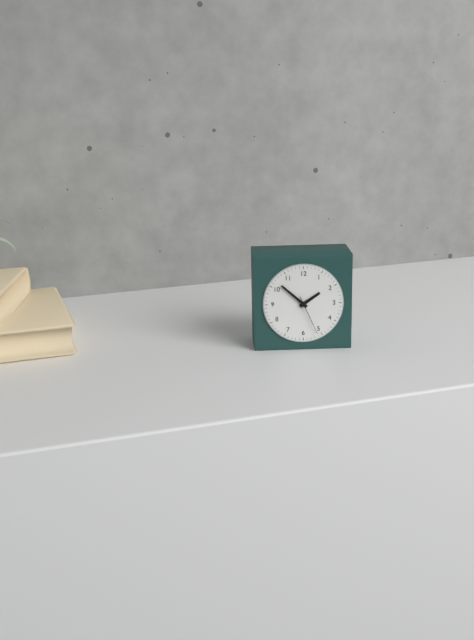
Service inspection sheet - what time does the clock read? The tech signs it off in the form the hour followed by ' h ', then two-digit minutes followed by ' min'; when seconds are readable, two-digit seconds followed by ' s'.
1 h 52 min
